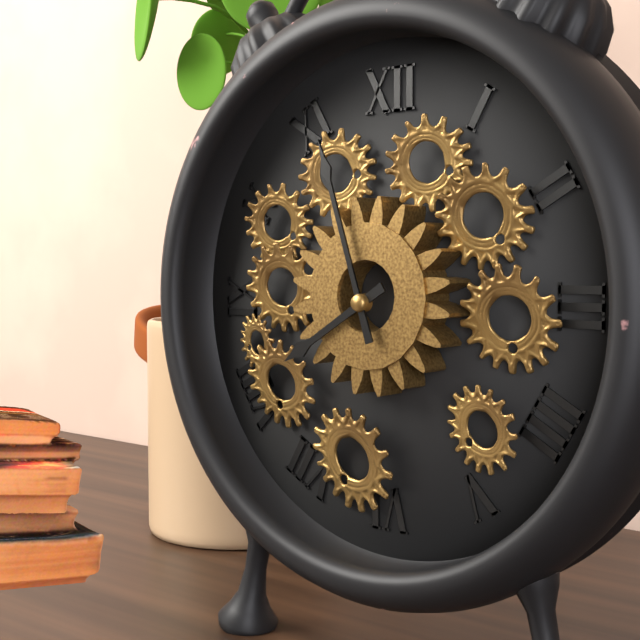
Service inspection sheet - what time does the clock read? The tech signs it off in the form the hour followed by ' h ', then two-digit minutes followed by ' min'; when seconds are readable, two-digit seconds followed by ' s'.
7 h 57 min
